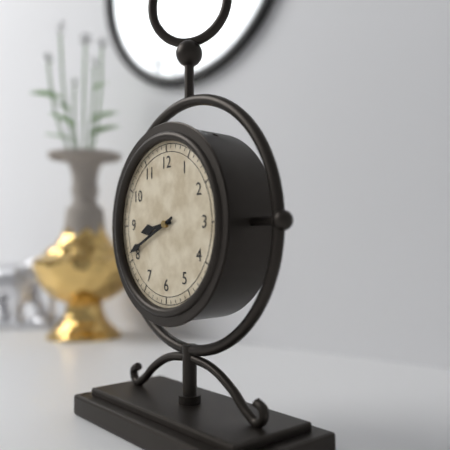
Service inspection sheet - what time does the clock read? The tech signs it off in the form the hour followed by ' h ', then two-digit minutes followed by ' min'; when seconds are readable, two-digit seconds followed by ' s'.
8 h 41 min
